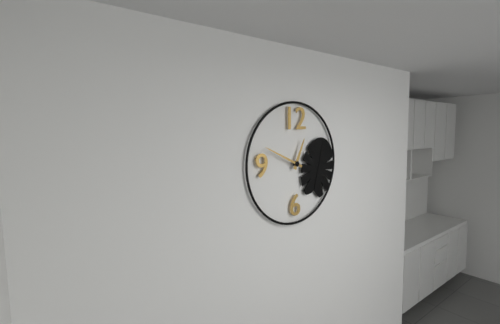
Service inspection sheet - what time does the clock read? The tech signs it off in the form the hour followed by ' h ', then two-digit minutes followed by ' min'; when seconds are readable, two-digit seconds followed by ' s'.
12 h 49 min
